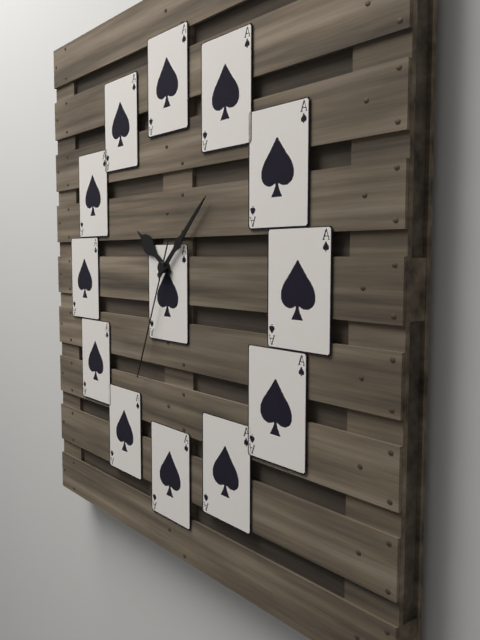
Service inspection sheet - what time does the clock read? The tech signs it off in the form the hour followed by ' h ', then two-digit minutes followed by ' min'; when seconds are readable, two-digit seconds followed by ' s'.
10 h 08 min 34 s
